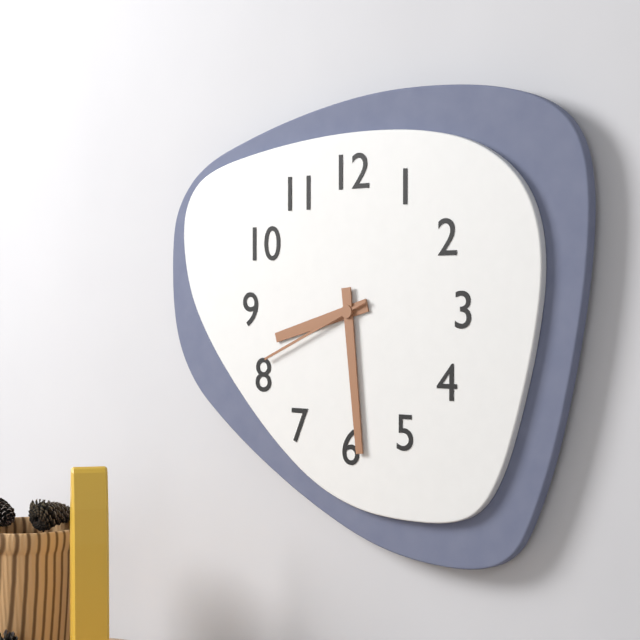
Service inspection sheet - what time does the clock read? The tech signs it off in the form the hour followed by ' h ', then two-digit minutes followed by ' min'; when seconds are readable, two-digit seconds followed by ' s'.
8 h 29 min 41 s
